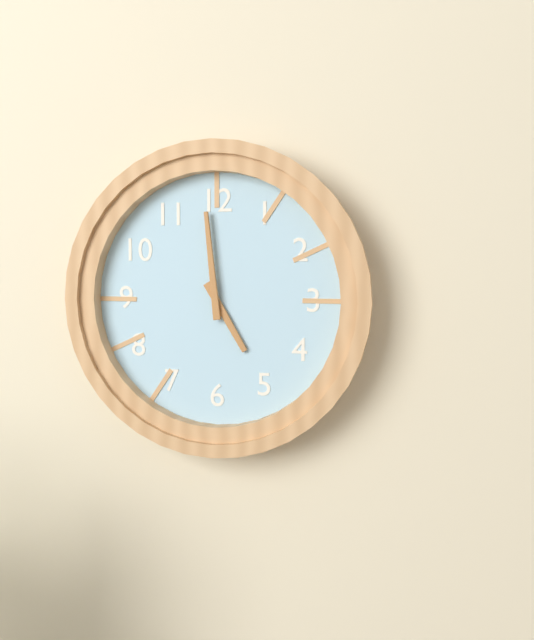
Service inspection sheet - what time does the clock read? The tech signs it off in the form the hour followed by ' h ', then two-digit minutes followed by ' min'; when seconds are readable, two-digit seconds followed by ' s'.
4 h 59 min
